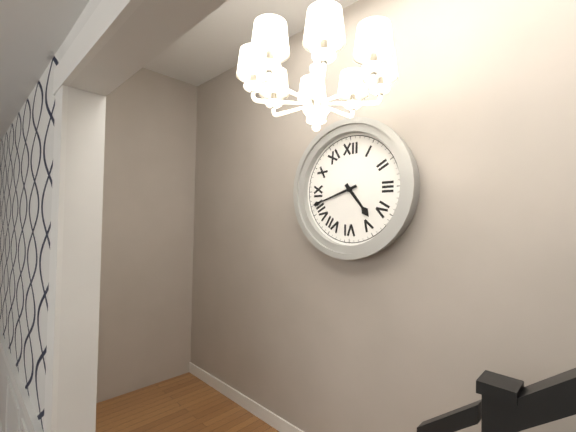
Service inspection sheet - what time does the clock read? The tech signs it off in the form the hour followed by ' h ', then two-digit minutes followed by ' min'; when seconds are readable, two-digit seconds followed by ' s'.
4 h 42 min
